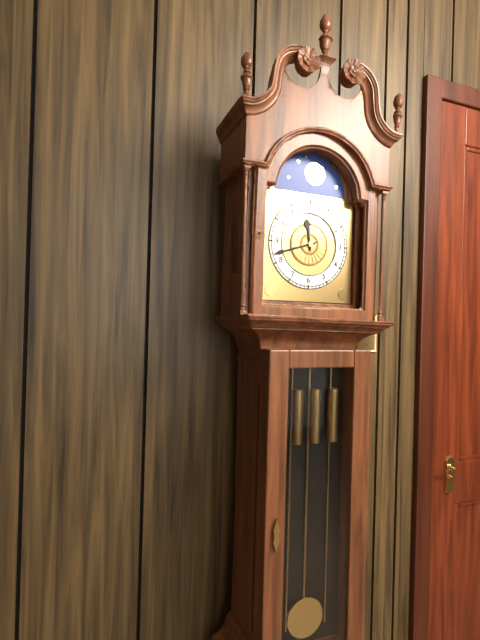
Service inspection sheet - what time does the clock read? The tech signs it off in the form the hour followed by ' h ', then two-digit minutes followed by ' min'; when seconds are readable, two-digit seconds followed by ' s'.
11 h 42 min
